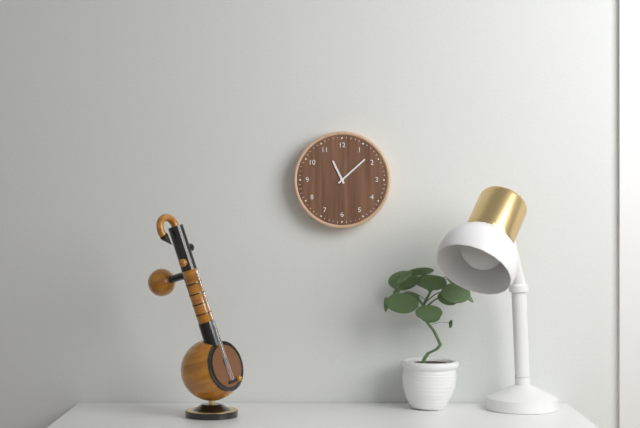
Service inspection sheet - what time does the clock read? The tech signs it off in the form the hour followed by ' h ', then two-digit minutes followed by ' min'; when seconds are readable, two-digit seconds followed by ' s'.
11 h 08 min
